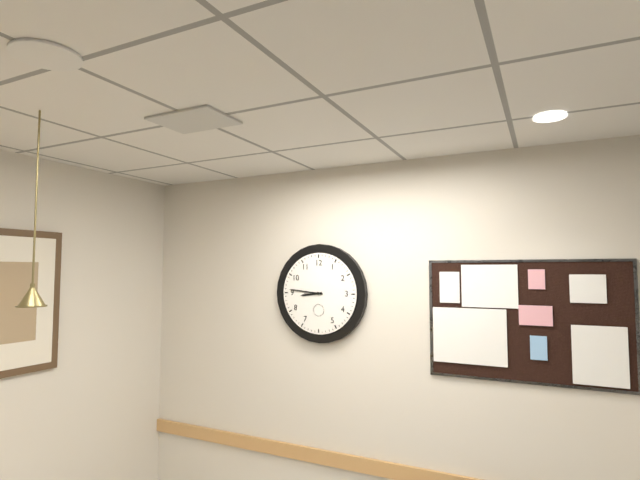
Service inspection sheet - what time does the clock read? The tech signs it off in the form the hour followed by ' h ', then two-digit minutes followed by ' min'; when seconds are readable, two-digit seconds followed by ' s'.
8 h 46 min
